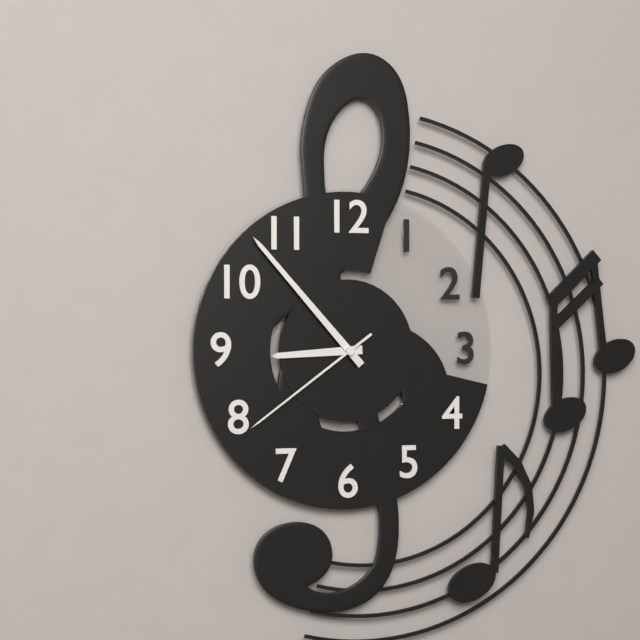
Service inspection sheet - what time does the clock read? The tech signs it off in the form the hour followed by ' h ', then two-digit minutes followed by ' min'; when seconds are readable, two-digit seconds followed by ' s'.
8 h 53 min 39 s
